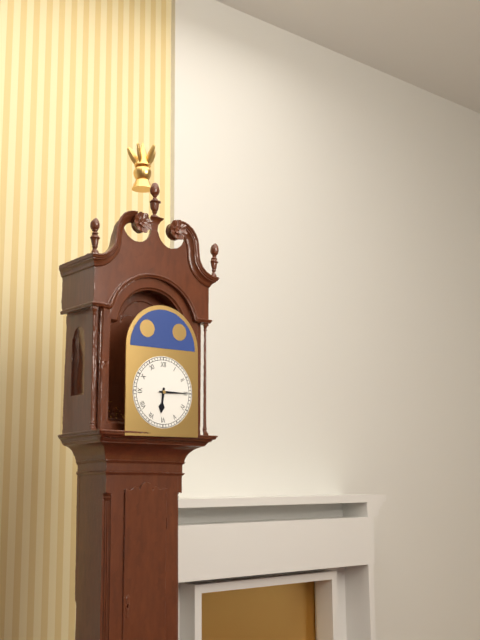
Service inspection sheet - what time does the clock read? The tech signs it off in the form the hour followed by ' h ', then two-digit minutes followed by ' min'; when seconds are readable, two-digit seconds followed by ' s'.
6 h 15 min
